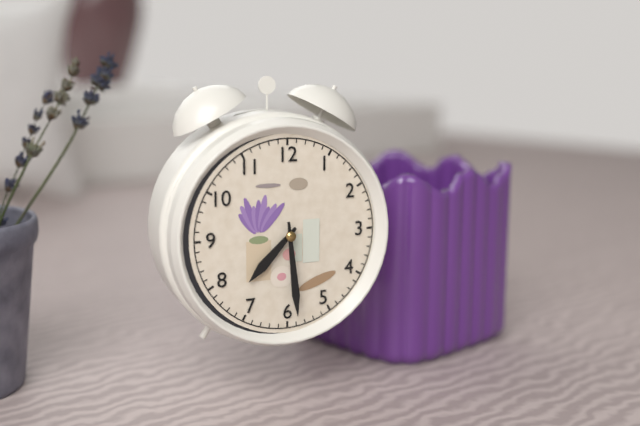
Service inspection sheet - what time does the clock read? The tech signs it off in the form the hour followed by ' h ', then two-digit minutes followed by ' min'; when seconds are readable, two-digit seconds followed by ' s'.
7 h 29 min
